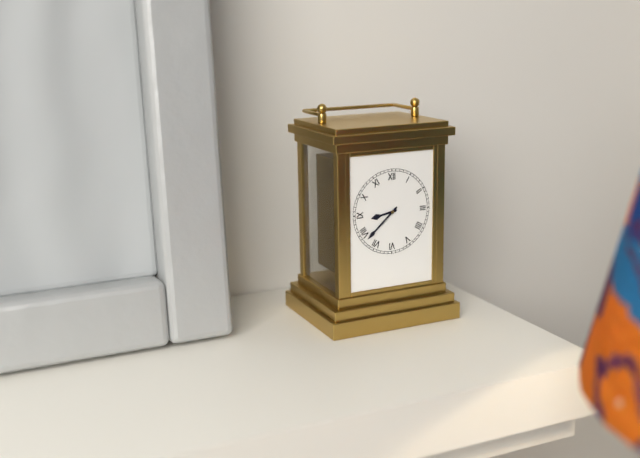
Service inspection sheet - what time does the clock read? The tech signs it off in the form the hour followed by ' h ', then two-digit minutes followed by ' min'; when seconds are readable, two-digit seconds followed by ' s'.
8 h 38 min
